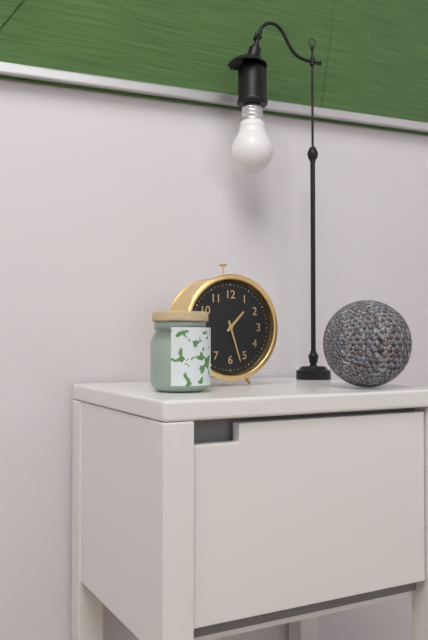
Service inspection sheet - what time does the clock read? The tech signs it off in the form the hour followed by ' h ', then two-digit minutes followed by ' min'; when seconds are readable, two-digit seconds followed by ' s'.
1 h 27 min
